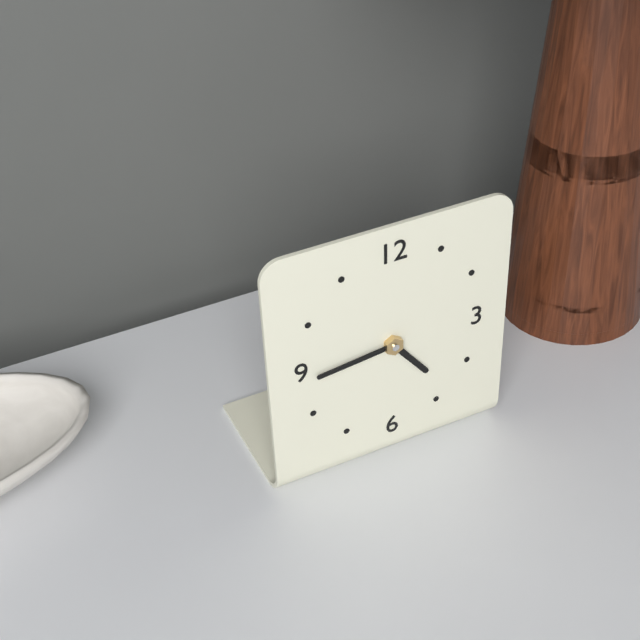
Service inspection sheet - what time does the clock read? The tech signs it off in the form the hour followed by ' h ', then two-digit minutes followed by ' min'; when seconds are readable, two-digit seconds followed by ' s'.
4 h 44 min
